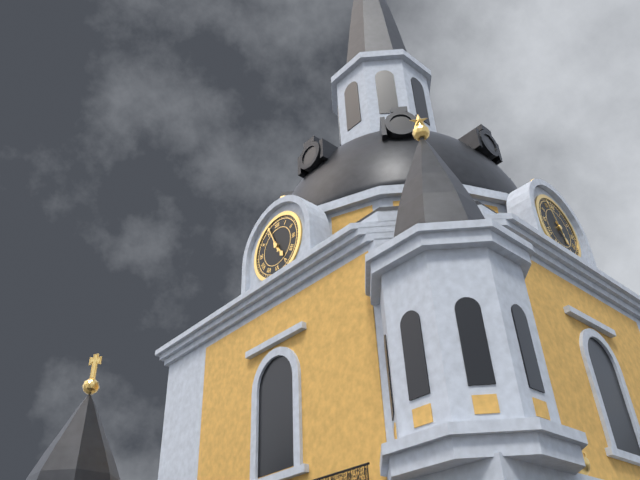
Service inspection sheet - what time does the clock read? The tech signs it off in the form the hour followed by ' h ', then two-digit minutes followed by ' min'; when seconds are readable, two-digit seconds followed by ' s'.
4 h 56 min
